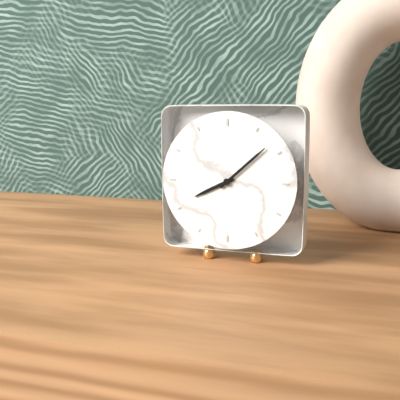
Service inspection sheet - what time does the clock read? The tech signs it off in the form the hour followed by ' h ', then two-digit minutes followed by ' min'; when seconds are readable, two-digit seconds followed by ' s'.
8 h 08 min
